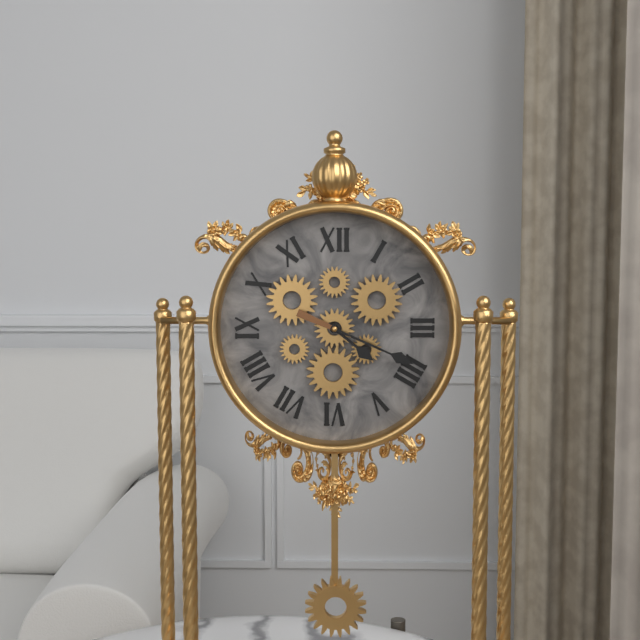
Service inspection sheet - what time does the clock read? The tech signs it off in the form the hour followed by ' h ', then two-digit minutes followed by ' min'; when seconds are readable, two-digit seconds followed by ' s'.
4 h 19 min
